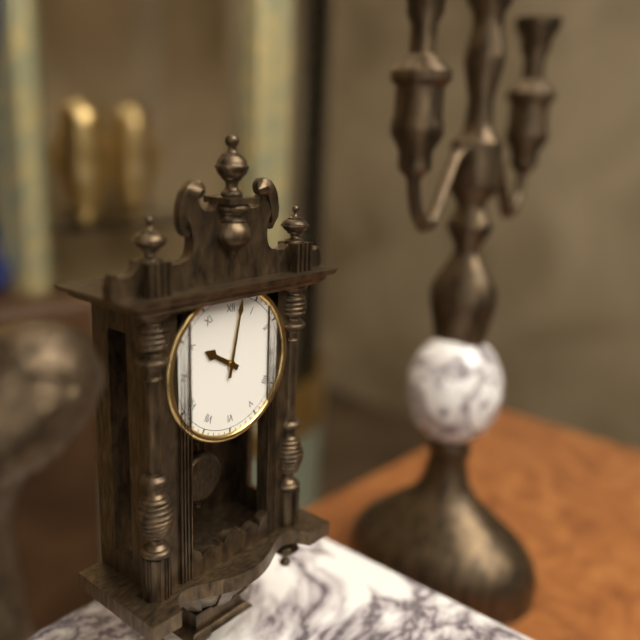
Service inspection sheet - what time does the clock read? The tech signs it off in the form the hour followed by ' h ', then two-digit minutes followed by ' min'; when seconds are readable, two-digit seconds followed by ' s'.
10 h 02 min
